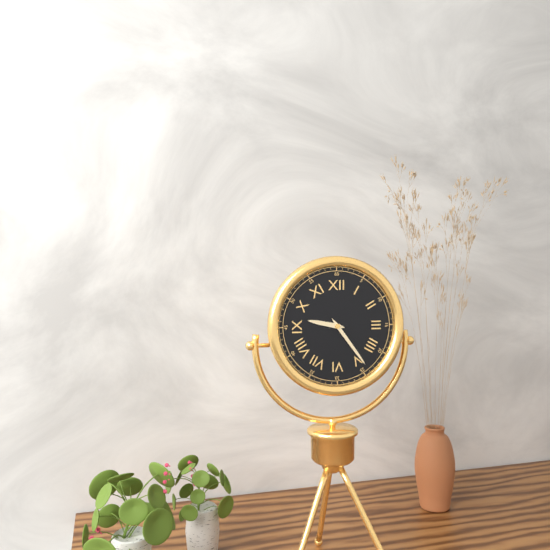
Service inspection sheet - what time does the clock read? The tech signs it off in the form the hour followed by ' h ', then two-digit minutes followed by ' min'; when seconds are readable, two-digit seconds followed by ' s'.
9 h 24 min
